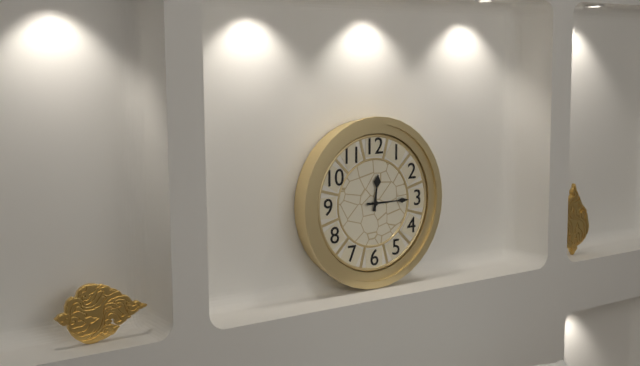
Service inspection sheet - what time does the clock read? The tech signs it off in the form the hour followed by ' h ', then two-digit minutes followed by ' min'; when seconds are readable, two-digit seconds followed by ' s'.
12 h 15 min
